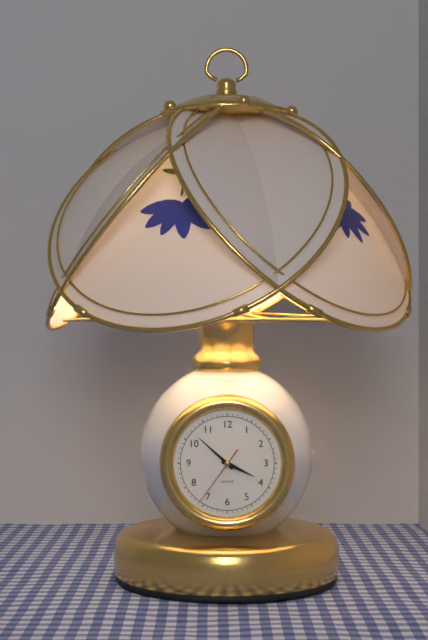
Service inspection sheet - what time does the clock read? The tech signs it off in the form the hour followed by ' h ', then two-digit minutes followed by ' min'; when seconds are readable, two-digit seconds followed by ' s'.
3 h 52 min 36 s
